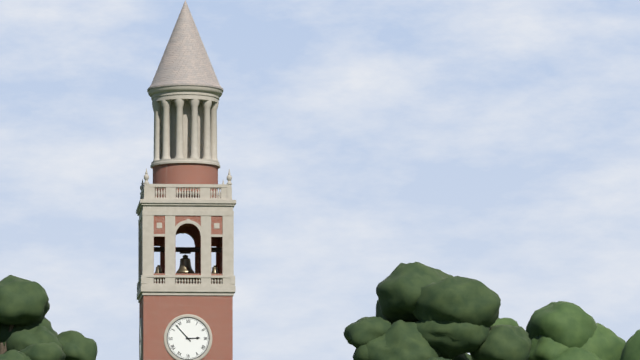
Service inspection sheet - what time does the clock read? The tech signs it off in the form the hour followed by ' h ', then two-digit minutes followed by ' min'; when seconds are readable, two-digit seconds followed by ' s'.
2 h 53 min
